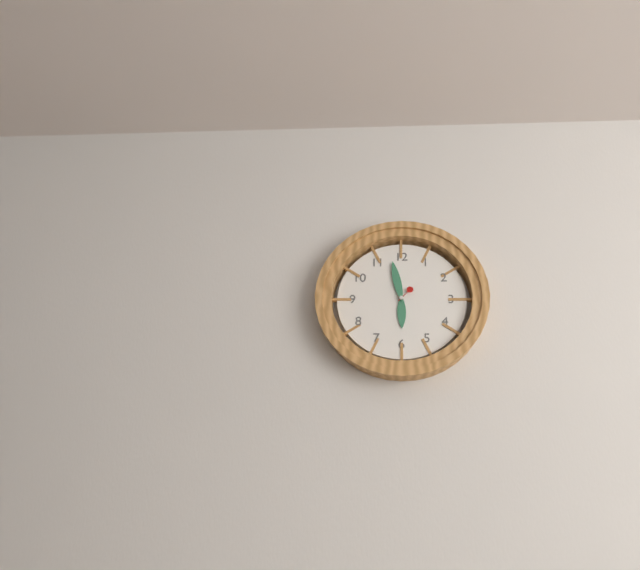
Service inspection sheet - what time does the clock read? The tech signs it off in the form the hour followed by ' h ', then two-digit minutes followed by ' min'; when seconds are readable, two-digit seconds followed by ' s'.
5 h 58 min
